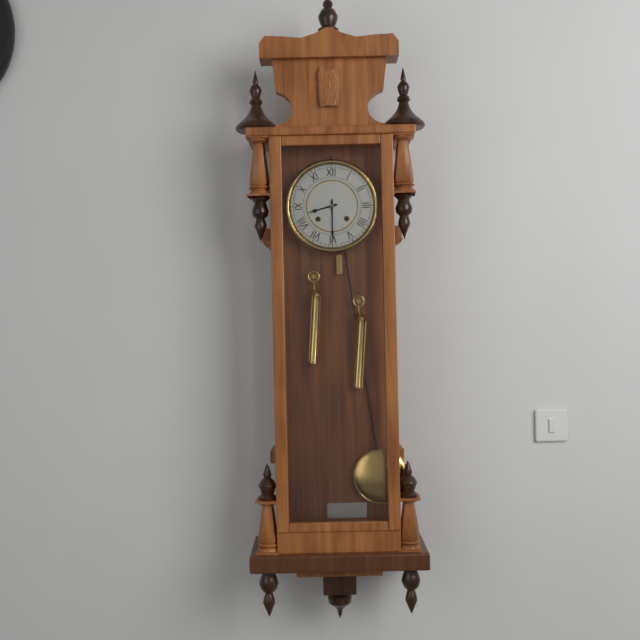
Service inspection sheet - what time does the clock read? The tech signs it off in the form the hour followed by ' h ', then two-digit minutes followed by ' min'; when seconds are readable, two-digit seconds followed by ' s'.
8 h 30 min
